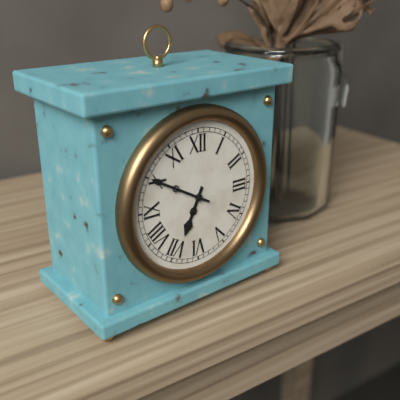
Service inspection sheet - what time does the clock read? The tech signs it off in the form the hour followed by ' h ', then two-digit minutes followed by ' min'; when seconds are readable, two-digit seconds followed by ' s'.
6 h 50 min
